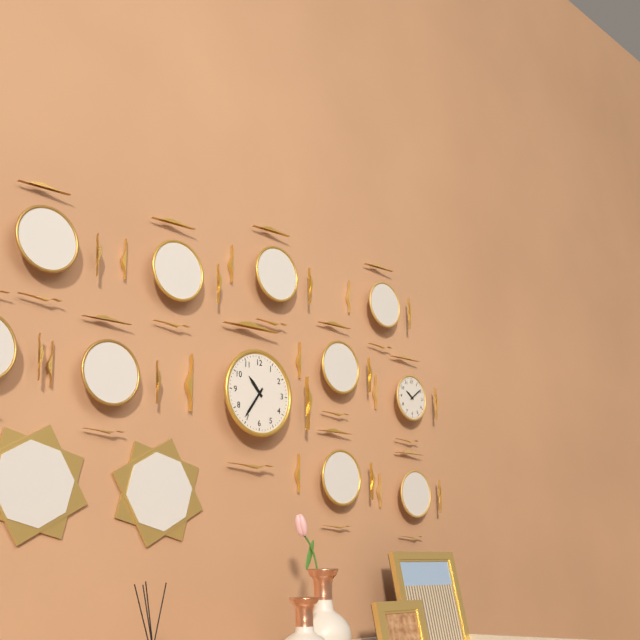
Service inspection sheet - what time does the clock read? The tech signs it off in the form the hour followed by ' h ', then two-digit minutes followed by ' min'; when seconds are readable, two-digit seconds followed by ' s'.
10 h 36 min
